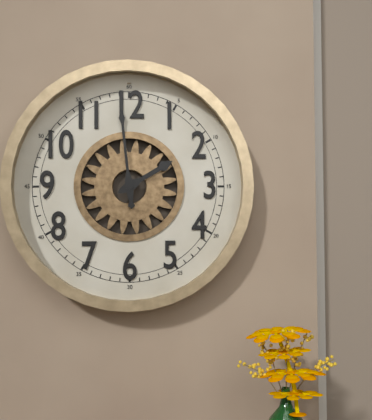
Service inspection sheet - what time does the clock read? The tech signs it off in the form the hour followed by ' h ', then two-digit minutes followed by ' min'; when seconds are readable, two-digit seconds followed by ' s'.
1 h 59 min
